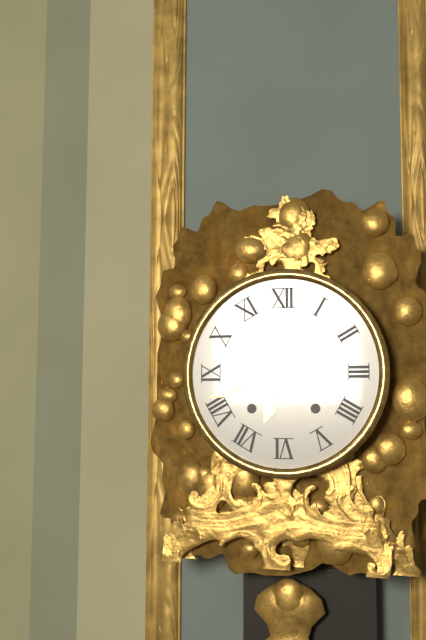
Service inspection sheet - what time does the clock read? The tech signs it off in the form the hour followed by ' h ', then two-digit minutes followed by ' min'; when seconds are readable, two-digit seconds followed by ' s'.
6 h 42 min
